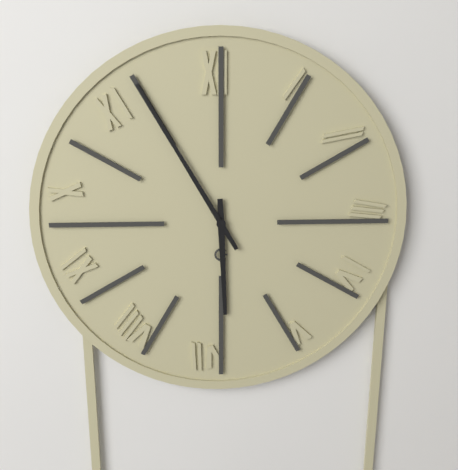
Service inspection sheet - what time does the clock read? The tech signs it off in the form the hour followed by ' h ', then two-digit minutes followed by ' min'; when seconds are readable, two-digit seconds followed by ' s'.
5 h 55 min
